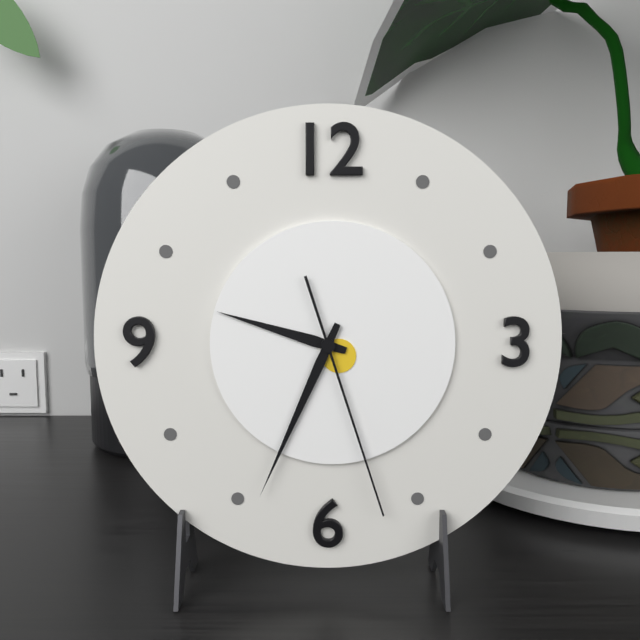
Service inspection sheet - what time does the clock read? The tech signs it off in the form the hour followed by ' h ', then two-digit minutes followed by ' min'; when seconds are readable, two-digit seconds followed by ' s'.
9 h 34 min 27 s
